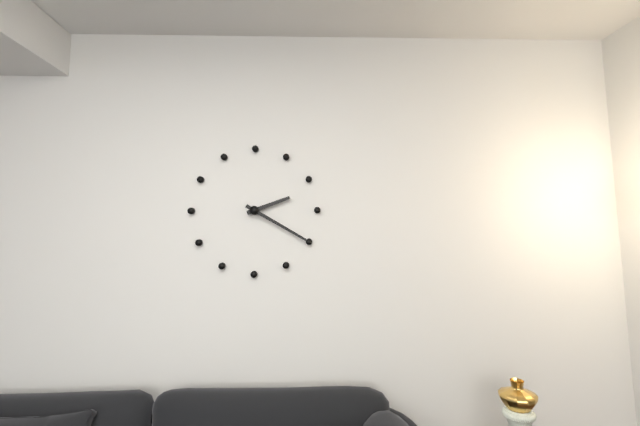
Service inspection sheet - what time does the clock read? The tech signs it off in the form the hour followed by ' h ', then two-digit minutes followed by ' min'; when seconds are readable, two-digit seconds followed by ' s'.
2 h 20 min
